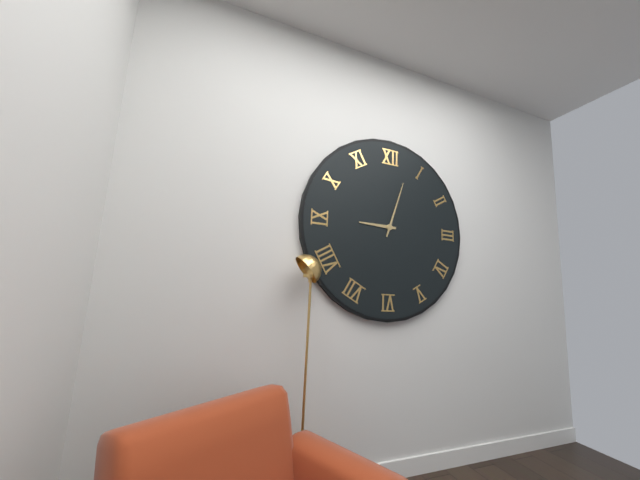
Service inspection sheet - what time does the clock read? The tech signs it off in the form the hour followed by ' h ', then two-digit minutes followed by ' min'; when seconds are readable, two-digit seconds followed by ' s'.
9 h 03 min
